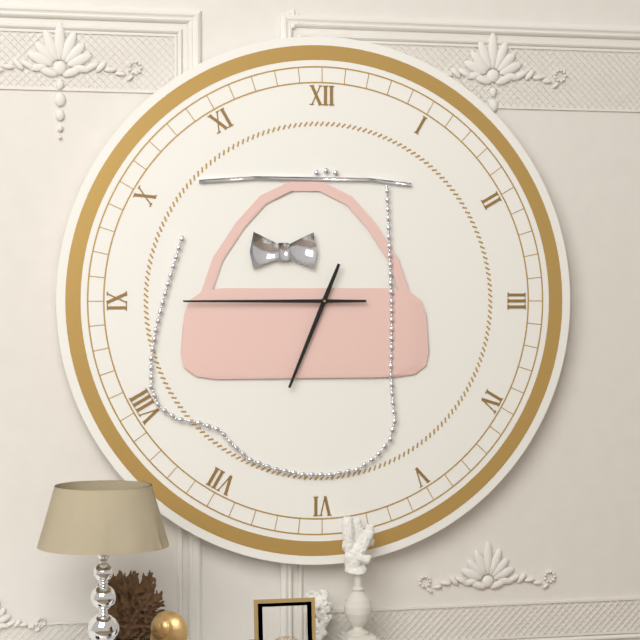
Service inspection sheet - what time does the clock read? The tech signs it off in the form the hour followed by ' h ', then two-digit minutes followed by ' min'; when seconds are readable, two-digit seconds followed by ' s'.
6 h 45 min
